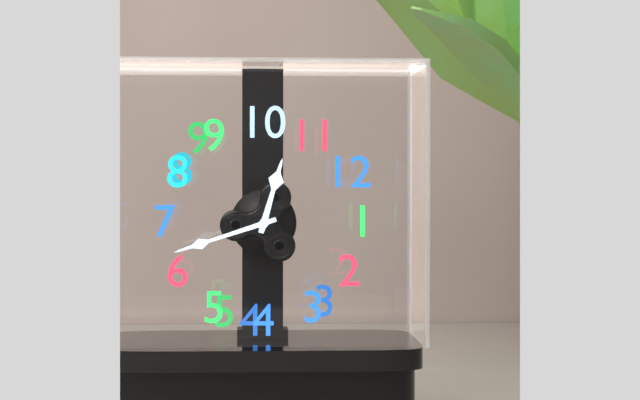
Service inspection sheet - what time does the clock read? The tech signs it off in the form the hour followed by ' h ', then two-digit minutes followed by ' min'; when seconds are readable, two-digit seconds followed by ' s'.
10 h 32 min
